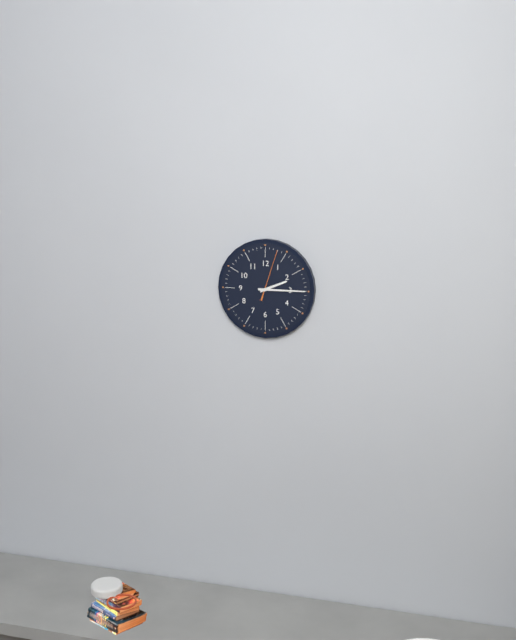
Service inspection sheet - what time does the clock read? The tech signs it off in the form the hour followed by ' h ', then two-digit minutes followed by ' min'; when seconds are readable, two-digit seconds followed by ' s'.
2 h 15 min 03 s
